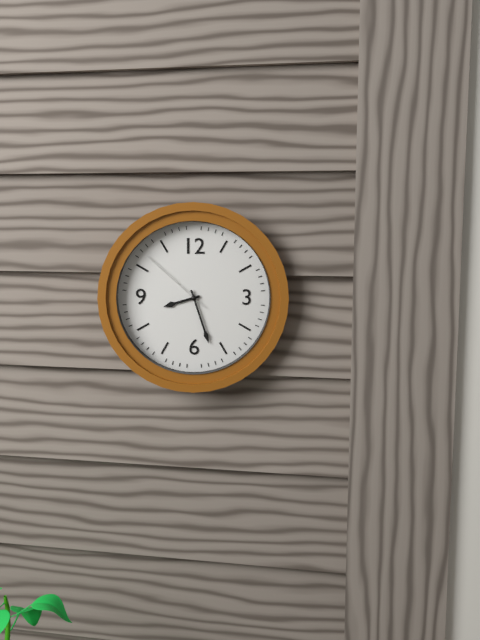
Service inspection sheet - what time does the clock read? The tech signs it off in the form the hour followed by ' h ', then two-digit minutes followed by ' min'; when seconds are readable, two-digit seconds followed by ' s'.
8 h 27 min 52 s
